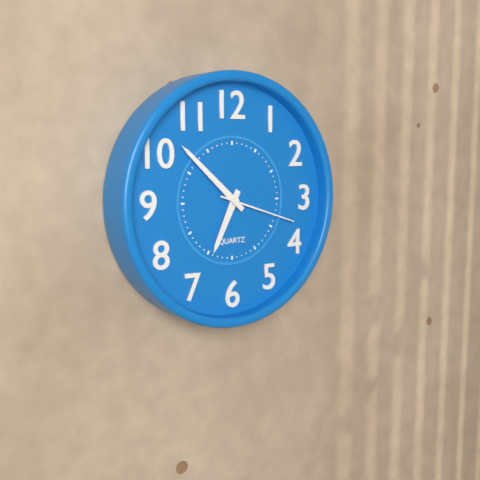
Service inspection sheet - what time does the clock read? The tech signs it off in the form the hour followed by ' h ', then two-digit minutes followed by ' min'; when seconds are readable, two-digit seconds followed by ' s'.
6 h 52 min 18 s
